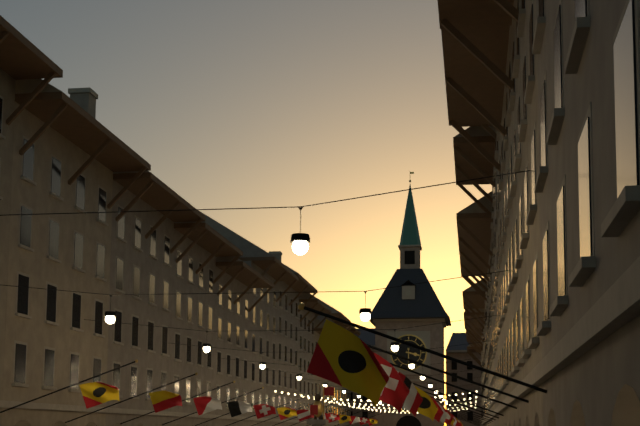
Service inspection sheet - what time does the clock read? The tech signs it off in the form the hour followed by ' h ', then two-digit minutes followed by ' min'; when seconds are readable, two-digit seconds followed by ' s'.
3 h 30 min
